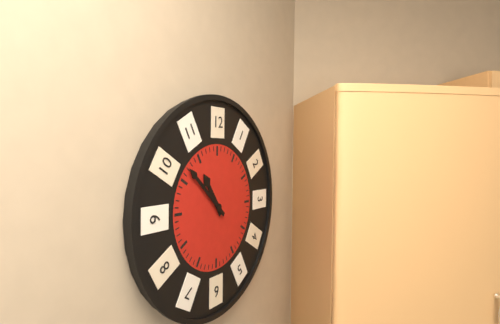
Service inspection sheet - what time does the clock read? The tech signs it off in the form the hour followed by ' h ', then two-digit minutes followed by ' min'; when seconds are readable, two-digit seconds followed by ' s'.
10 h 52 min
